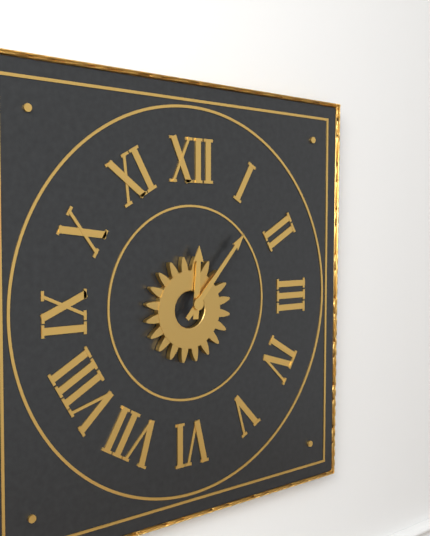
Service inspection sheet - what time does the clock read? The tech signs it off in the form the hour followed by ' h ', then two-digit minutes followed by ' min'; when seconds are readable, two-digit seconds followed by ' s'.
12 h 07 min
